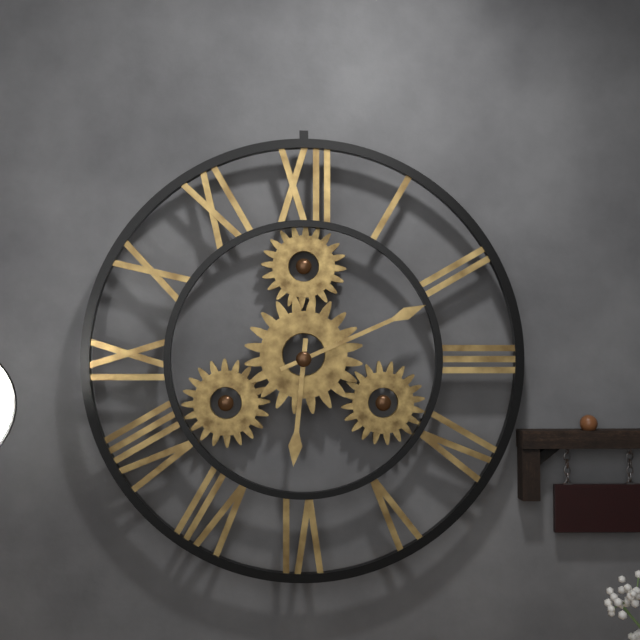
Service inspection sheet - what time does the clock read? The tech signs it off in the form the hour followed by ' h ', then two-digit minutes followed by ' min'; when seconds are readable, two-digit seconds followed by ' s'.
6 h 11 min
